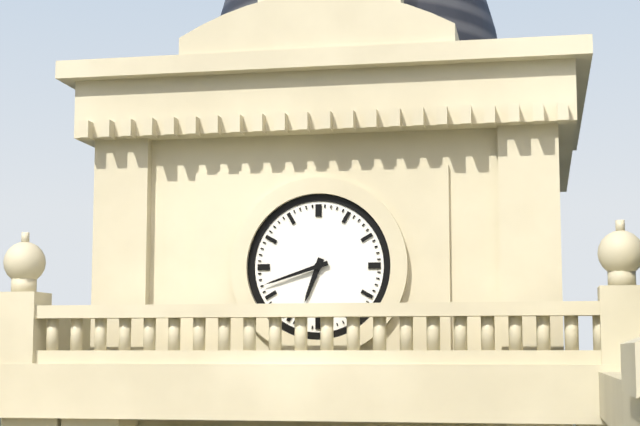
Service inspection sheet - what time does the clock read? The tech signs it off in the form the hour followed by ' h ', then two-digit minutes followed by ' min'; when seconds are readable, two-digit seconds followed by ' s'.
6 h 42 min
